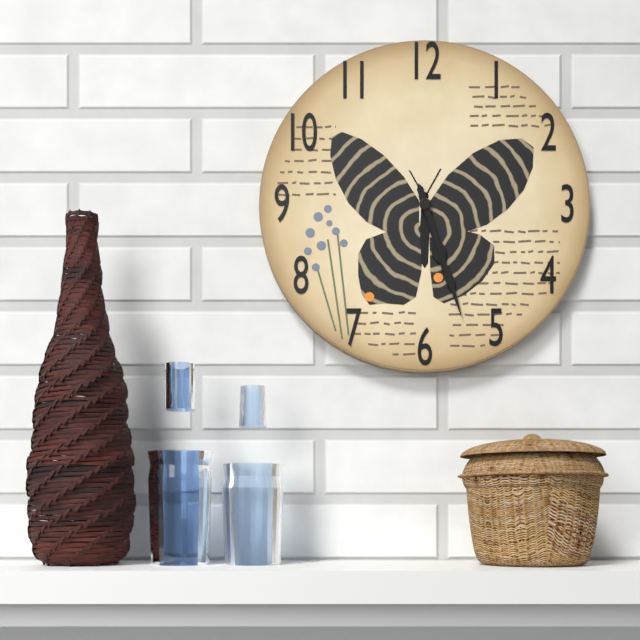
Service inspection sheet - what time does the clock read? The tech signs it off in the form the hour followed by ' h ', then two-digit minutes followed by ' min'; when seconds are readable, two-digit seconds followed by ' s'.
5 h 27 min
